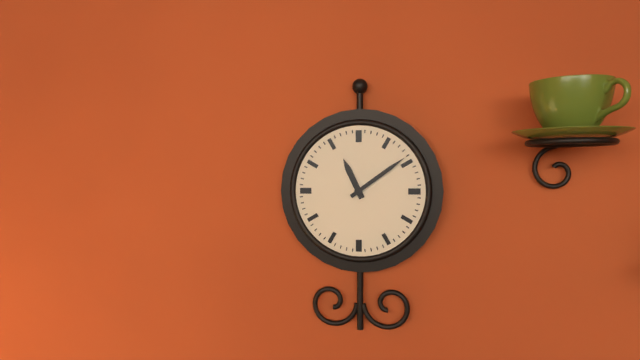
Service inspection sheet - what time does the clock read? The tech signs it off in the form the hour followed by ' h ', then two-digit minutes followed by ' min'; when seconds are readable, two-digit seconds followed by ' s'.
11 h 09 min
